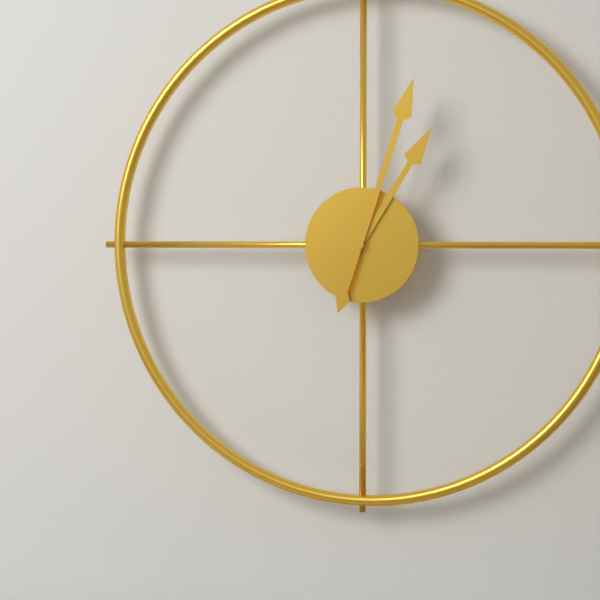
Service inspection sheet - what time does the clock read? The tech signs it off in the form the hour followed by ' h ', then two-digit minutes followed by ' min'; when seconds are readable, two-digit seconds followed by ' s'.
1 h 03 min
